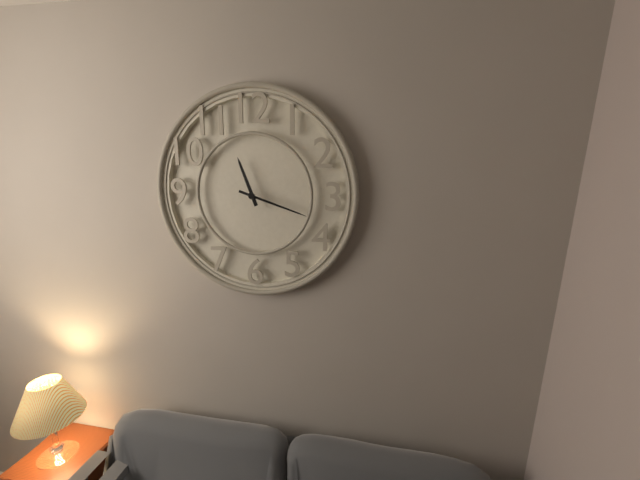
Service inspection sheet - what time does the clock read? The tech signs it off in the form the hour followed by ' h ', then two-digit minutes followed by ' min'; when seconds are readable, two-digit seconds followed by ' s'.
11 h 18 min
